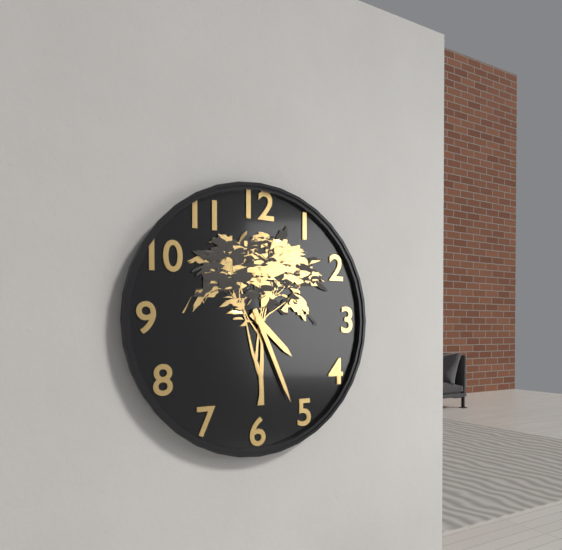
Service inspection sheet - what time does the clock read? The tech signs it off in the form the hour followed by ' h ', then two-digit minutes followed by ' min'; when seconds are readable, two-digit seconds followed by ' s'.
4 h 26 min
